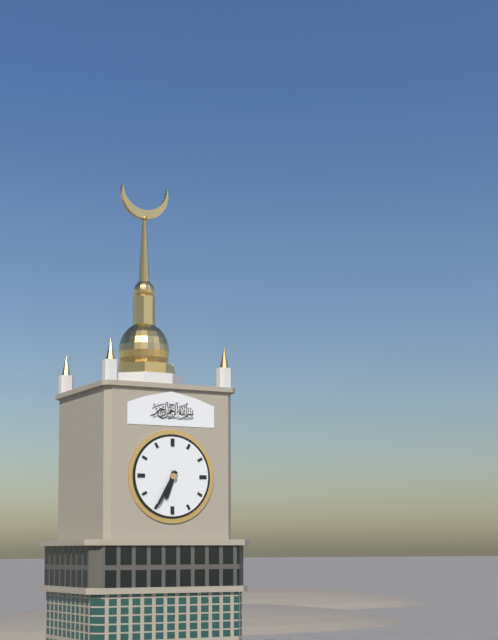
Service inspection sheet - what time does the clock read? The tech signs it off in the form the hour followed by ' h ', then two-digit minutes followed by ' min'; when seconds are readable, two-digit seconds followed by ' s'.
6 h 35 min
